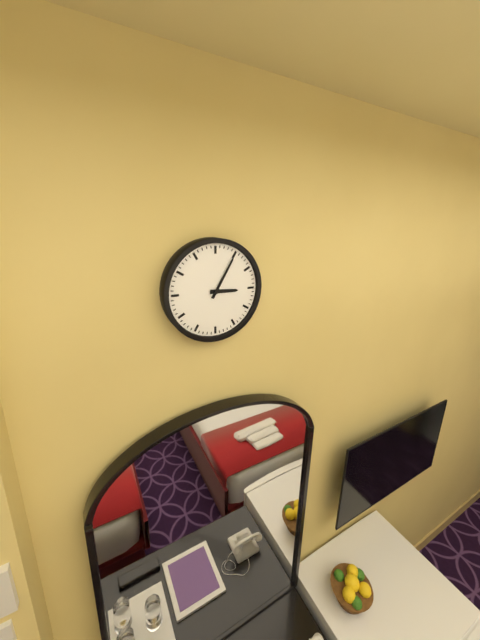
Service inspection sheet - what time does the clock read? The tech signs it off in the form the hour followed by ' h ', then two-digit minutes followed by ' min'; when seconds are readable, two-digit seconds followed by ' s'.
3 h 05 min
